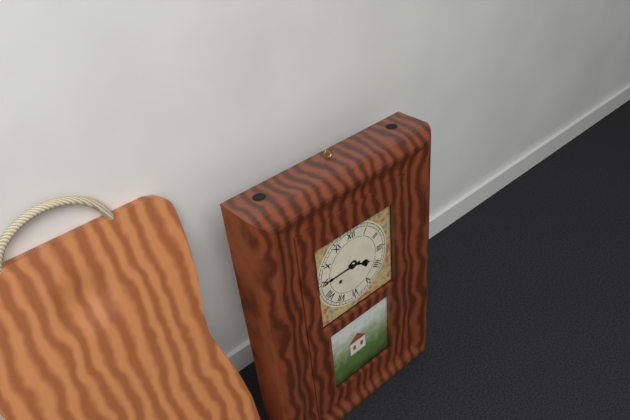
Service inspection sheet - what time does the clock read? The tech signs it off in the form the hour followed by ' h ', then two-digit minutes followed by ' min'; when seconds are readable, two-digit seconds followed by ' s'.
3 h 45 min
